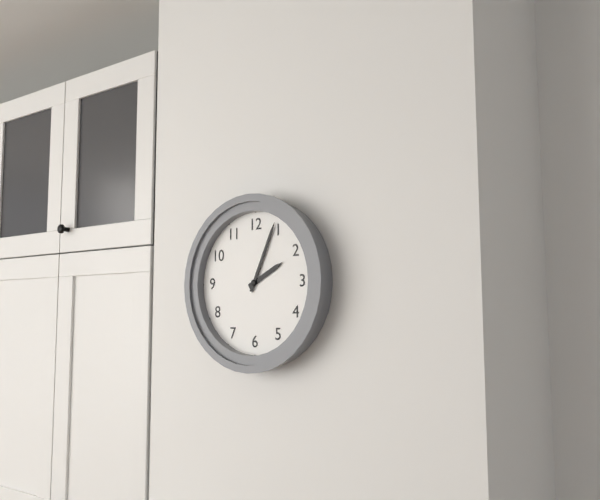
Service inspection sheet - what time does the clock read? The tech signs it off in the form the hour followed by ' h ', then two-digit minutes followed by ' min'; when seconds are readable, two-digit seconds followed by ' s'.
2 h 04 min
